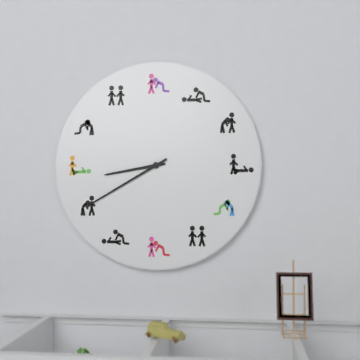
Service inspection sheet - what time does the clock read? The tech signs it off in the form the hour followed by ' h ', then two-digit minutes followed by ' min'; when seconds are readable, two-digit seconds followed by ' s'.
8 h 40 min
